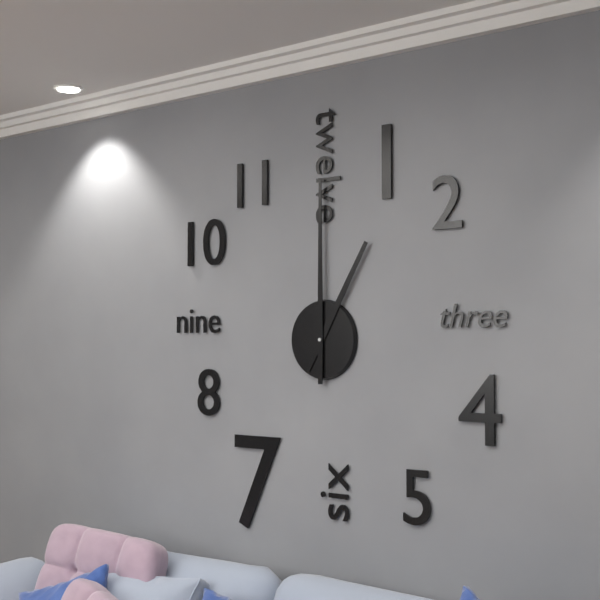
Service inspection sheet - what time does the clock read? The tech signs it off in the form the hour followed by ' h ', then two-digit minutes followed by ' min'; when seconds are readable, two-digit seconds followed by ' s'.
1 h 00 min
